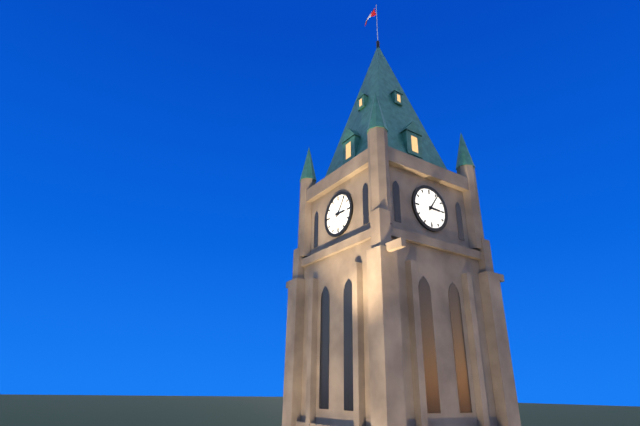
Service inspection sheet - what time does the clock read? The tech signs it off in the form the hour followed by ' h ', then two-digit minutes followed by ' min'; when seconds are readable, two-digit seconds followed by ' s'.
3 h 06 min
